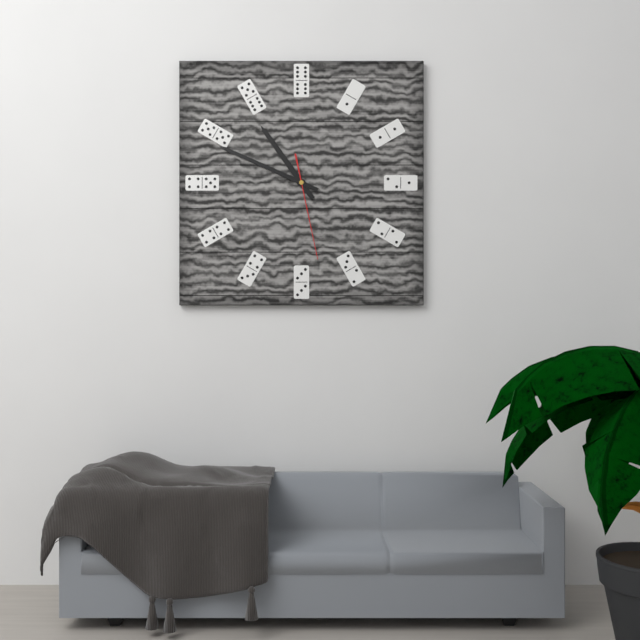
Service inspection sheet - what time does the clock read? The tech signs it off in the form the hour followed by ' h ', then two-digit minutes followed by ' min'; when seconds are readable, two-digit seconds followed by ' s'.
10 h 49 min 28 s
